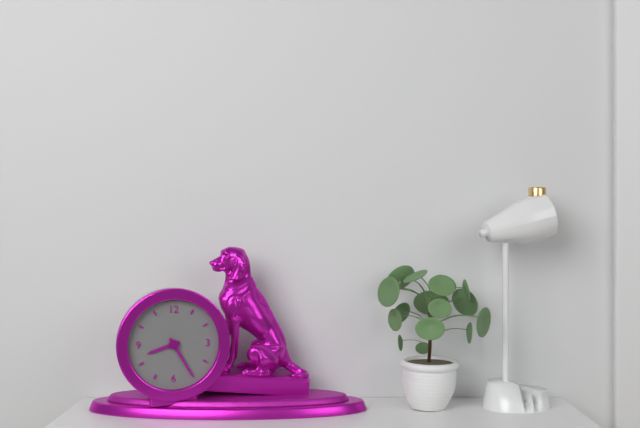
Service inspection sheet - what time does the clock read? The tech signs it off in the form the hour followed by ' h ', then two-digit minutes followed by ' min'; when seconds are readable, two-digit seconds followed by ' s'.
8 h 25 min
